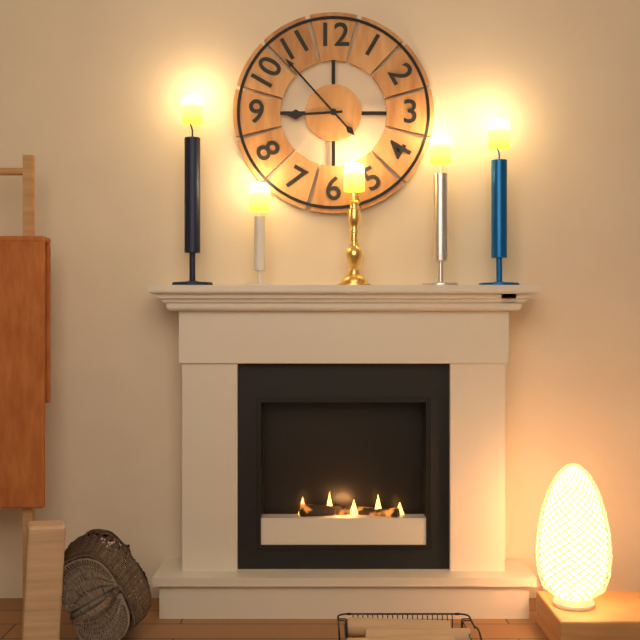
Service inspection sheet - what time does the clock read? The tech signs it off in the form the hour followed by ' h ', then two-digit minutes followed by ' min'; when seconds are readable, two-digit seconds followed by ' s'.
8 h 53 min
